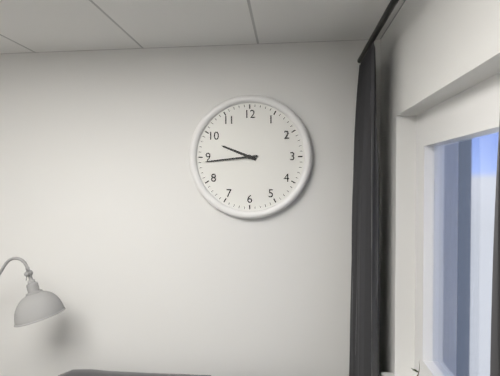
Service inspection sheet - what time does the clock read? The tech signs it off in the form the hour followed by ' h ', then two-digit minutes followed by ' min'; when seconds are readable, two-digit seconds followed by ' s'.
9 h 44 min
